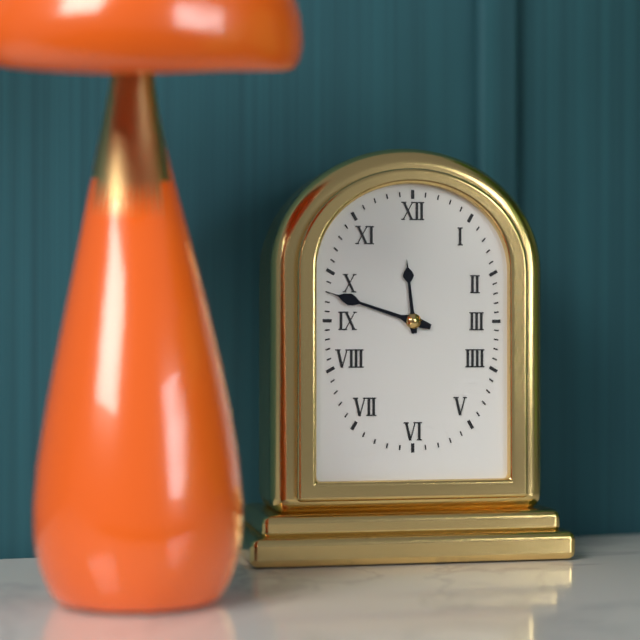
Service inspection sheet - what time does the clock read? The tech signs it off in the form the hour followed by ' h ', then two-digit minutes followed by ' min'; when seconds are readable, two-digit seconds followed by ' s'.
11 h 48 min
